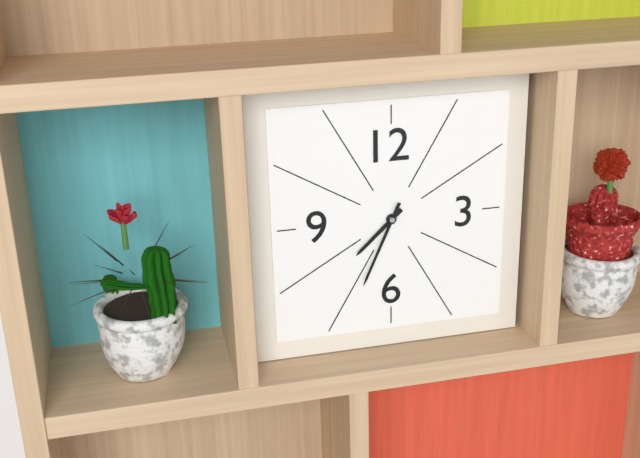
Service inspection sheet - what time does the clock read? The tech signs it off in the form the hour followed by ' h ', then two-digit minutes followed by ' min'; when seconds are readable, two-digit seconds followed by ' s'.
7 h 34 min
